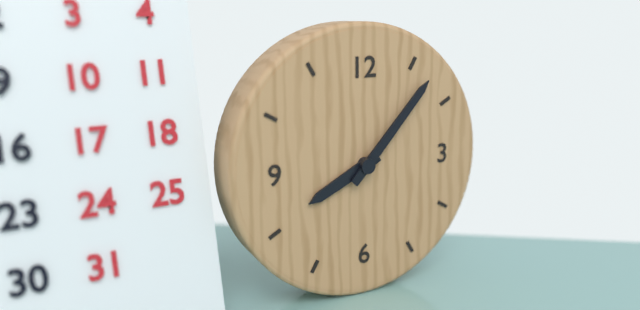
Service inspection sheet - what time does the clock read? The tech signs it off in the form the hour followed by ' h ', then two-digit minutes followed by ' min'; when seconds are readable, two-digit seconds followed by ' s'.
8 h 07 min
